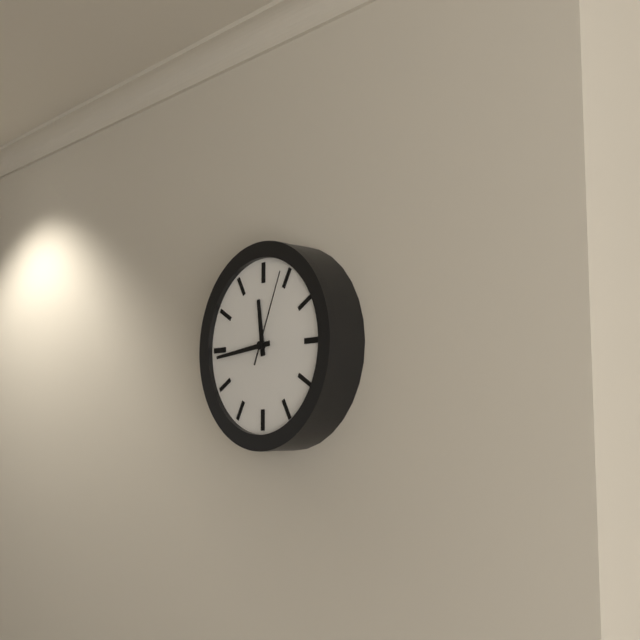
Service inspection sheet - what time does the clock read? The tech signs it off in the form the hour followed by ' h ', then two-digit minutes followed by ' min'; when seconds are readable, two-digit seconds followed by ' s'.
11 h 44 min 04 s
